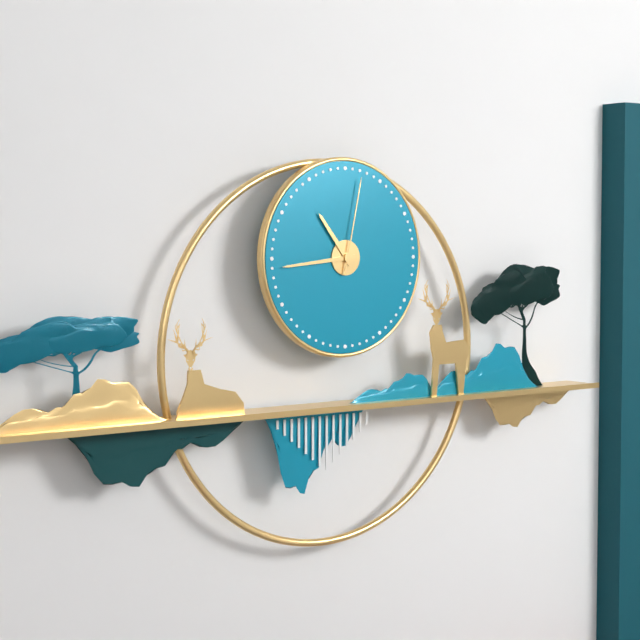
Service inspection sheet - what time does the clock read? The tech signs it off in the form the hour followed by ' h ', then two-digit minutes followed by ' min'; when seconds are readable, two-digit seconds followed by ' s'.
10 h 44 min 02 s
